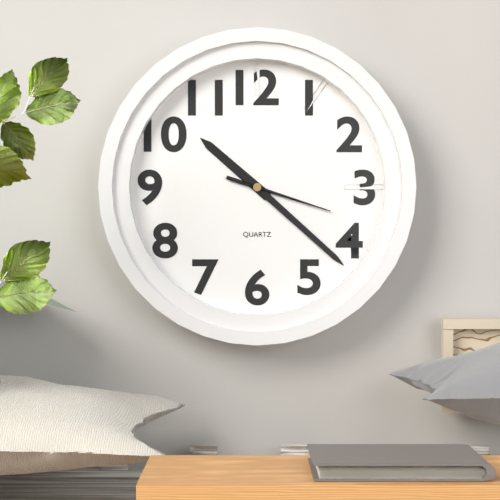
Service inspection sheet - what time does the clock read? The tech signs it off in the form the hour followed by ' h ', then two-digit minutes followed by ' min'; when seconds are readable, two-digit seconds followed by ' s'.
10 h 22 min 18 s
